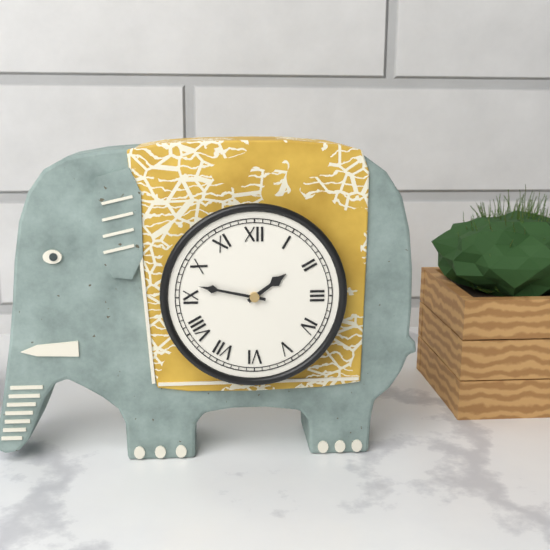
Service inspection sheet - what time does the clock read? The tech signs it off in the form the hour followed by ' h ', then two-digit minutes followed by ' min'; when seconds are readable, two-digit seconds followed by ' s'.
1 h 47 min
